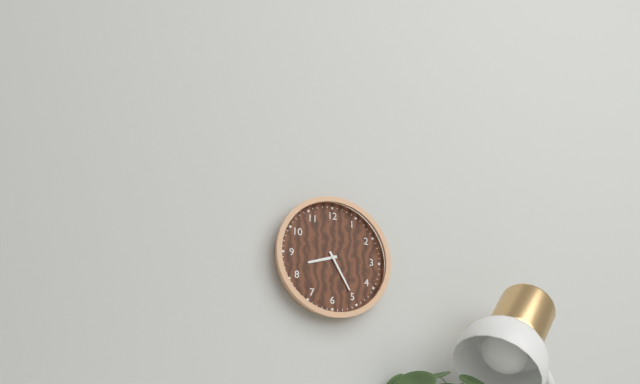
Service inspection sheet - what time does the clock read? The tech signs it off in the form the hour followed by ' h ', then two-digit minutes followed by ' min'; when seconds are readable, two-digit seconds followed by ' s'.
8 h 25 min
